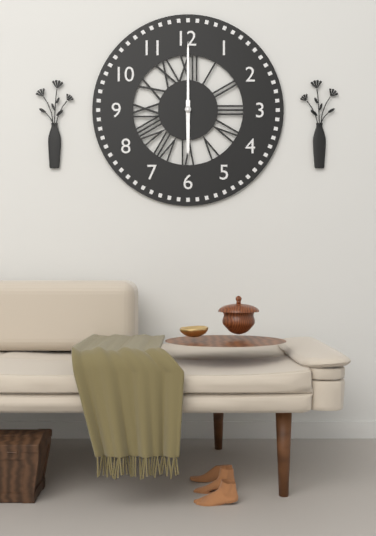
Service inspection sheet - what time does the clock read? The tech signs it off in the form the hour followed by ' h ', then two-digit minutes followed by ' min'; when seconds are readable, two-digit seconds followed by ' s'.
6 h 00 min
